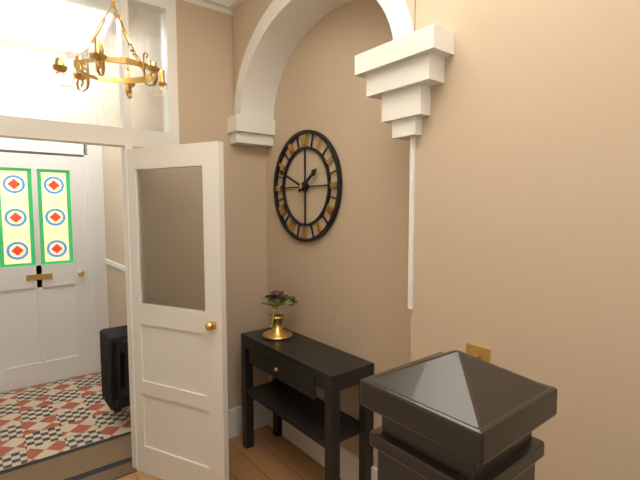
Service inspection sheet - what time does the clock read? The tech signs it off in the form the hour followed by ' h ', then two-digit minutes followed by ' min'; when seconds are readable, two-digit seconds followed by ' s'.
1 h 49 min
